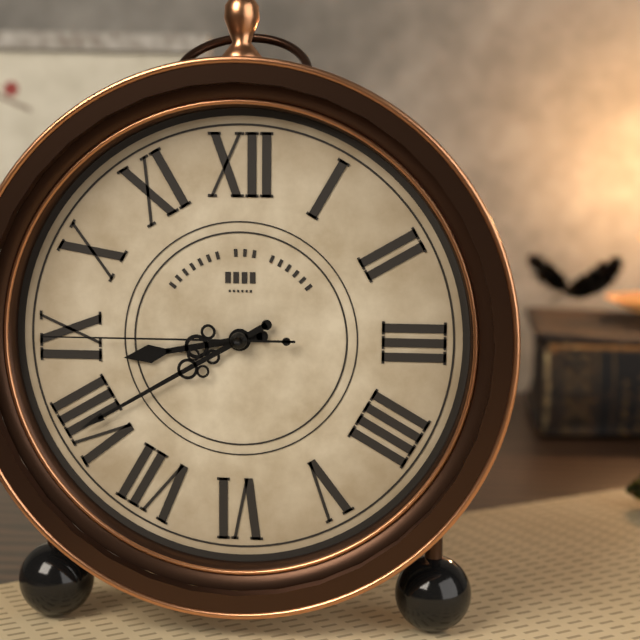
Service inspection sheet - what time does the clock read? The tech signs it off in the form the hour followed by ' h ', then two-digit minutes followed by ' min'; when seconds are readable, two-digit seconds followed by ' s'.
8 h 40 min 45 s
